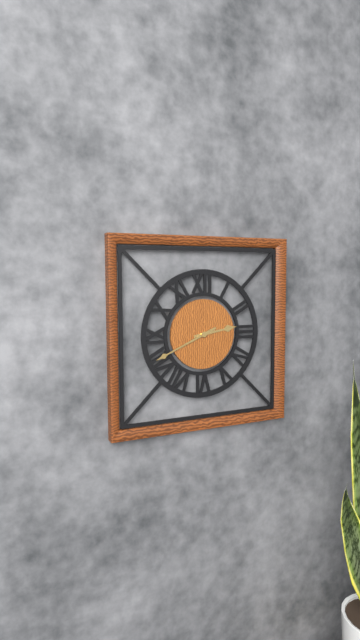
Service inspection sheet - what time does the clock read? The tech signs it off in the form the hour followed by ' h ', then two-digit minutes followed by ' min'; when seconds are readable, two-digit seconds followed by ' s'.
2 h 41 min
